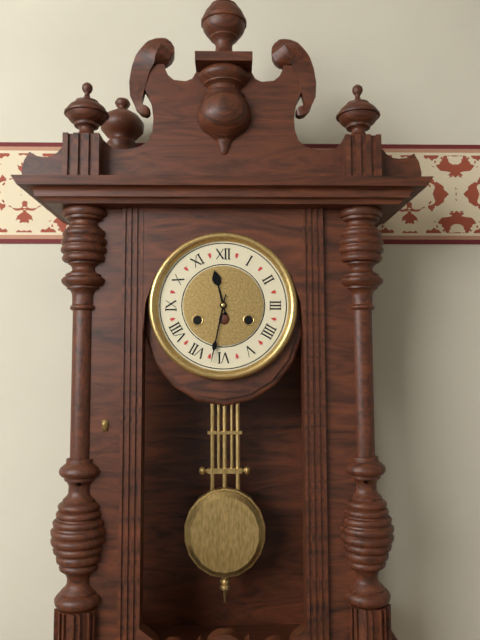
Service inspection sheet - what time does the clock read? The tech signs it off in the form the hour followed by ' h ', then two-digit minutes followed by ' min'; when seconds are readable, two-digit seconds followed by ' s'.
11 h 32 min
